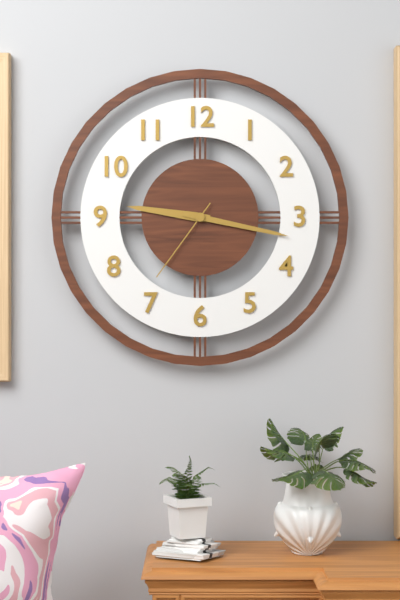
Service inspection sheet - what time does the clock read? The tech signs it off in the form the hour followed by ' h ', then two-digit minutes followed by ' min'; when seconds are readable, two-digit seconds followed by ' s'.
9 h 17 min 36 s
